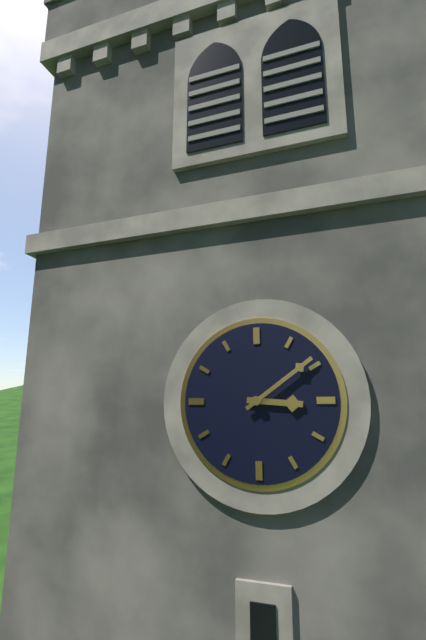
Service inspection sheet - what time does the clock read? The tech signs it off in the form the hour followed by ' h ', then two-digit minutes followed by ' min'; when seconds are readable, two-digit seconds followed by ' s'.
3 h 09 min
